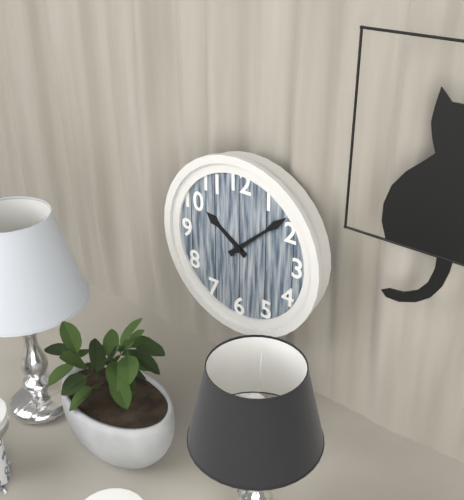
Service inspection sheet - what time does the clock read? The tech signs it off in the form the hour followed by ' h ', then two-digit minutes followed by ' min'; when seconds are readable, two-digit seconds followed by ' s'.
10 h 08 min
